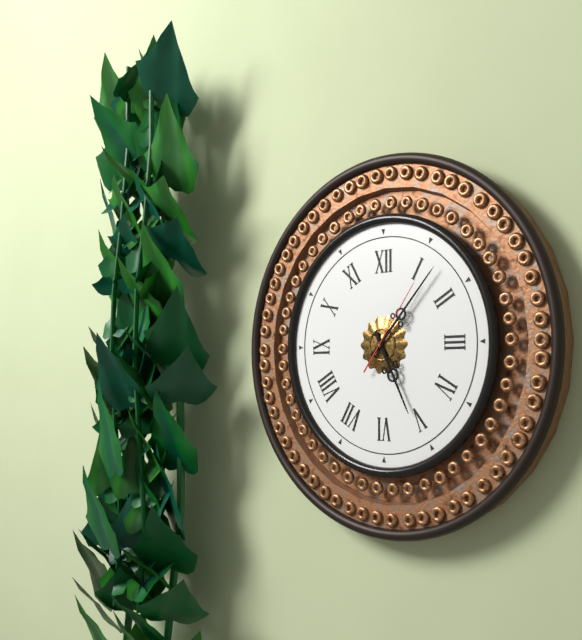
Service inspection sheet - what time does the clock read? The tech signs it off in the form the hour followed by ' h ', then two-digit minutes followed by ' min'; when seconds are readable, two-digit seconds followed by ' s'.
5 h 07 min 06 s
